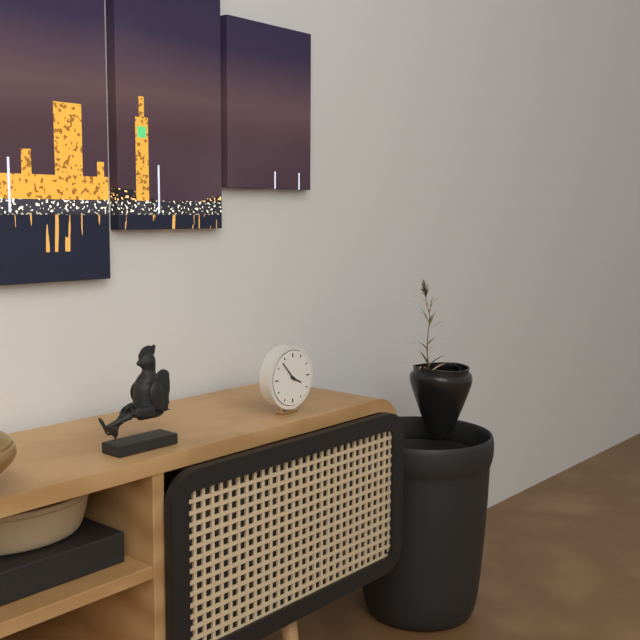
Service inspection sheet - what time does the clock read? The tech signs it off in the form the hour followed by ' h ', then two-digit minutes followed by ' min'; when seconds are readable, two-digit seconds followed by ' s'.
3 h 53 min
